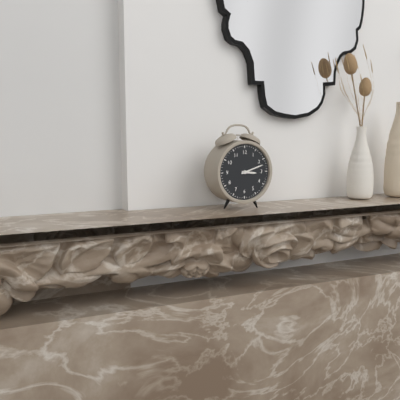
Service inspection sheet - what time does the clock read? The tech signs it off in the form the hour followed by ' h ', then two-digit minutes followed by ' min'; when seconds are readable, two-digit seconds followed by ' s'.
3 h 12 min
